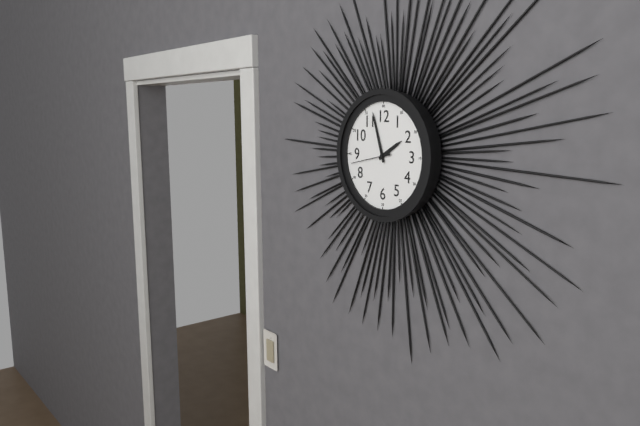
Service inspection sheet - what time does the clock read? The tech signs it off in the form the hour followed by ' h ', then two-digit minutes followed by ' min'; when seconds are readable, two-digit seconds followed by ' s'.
1 h 57 min
